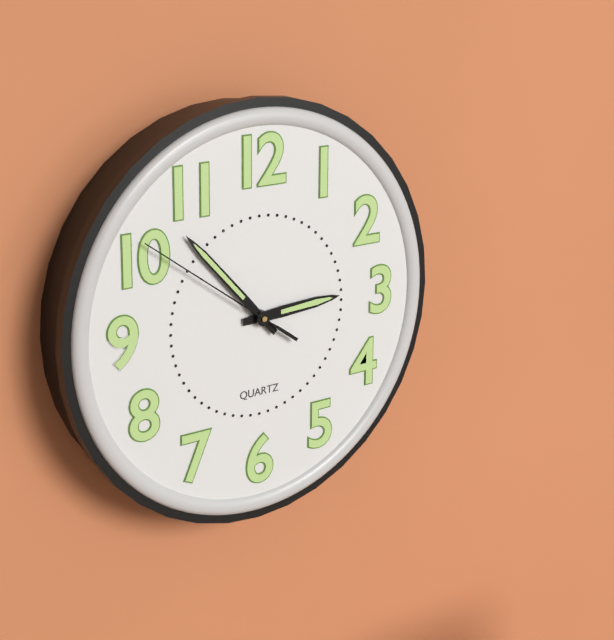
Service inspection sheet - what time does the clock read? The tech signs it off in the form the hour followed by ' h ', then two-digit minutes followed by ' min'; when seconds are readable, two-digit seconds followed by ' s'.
2 h 53 min 51 s
